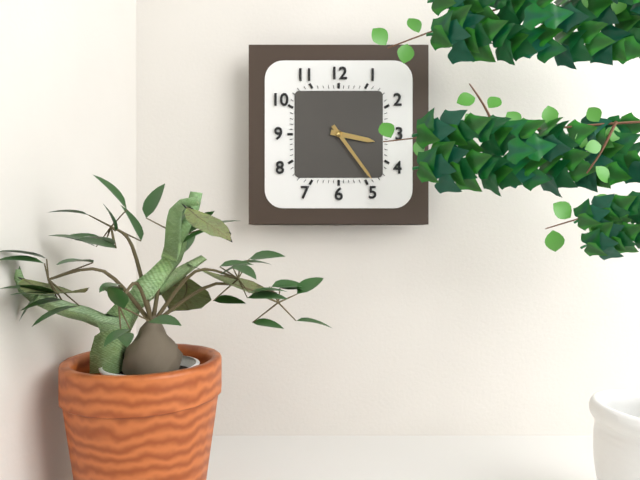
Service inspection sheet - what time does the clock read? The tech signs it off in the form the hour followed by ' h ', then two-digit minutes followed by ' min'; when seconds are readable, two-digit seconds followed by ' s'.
3 h 24 min
